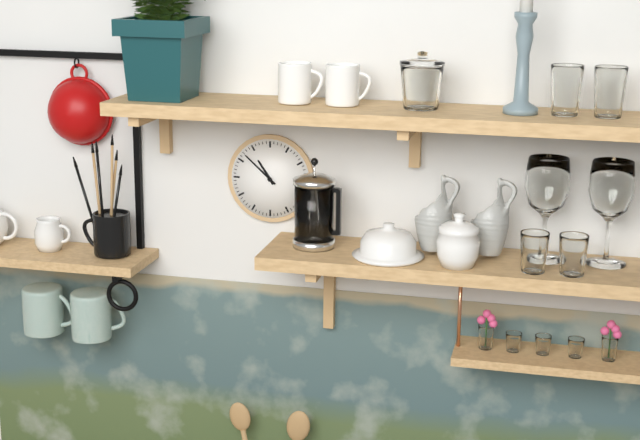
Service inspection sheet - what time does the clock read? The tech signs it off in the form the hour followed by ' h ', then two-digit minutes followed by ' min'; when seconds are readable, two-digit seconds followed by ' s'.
10 h 52 min
